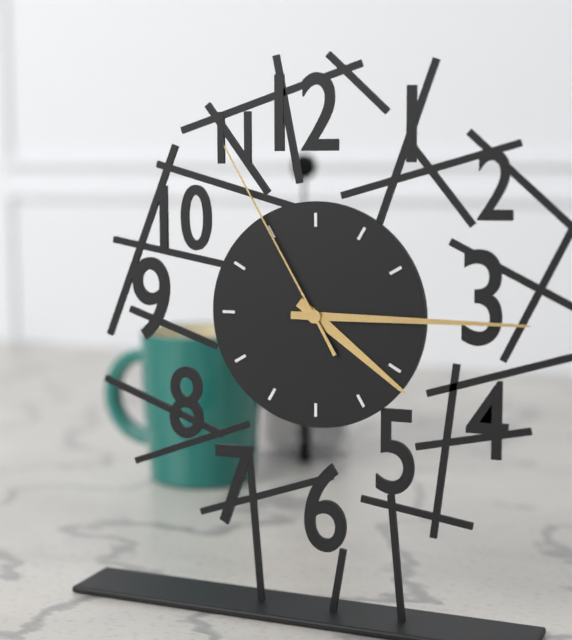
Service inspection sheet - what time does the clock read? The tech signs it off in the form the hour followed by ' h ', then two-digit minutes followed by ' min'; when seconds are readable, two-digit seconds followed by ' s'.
4 h 15 min 55 s
